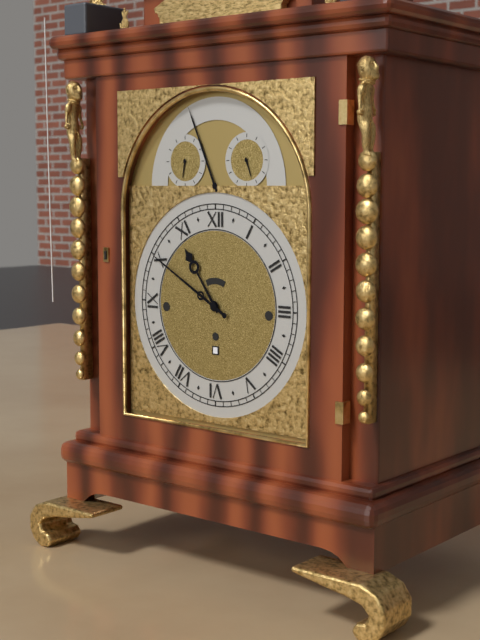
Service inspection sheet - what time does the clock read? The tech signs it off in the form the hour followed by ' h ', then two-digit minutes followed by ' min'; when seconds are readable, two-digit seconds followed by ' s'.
10 h 50 min
